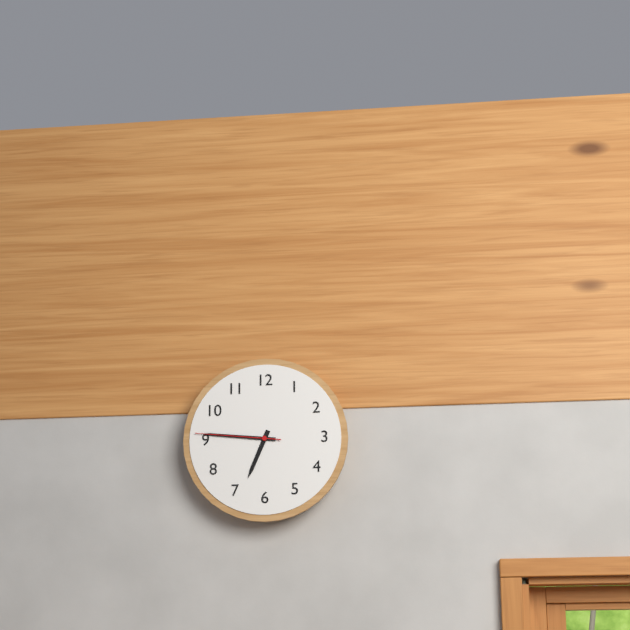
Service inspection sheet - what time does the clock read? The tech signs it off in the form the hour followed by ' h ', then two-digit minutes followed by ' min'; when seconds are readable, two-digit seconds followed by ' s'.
6 h 46 min 46 s
